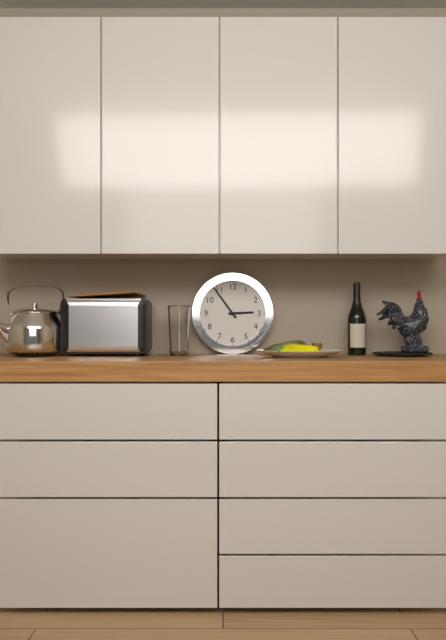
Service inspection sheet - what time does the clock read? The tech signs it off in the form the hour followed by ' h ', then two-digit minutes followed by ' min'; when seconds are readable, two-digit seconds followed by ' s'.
2 h 54 min
